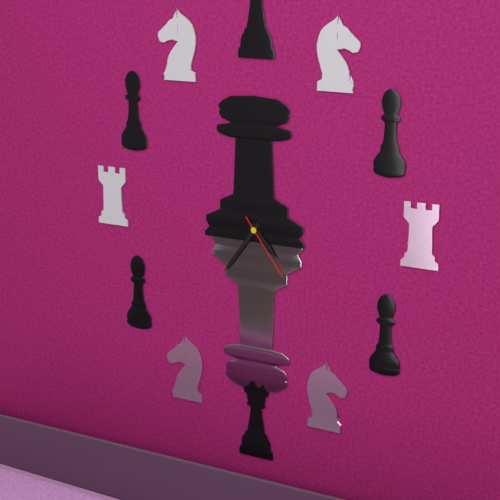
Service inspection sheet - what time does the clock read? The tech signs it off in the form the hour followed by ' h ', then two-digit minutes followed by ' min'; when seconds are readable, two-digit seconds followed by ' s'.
4 h 36 min 24 s
